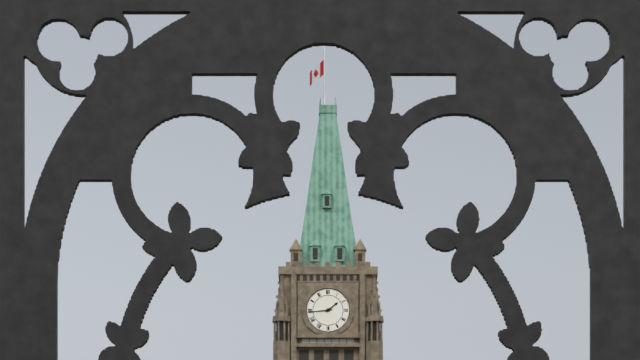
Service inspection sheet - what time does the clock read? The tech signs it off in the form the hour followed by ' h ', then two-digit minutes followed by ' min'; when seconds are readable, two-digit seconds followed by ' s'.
1 h 44 min
